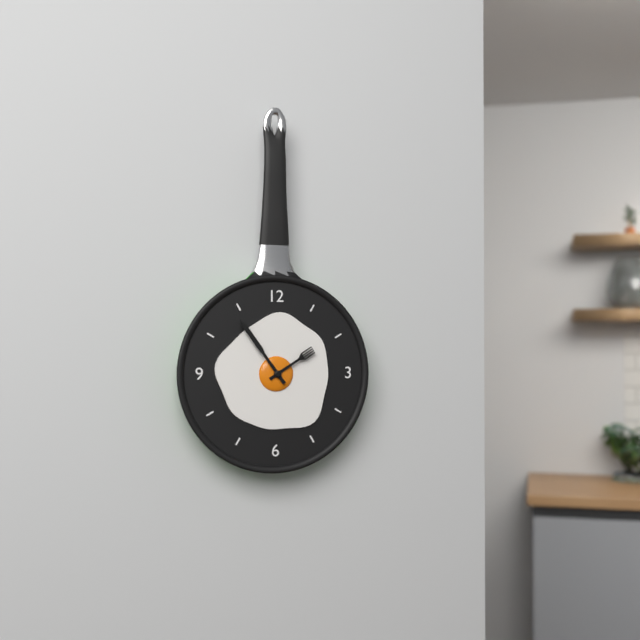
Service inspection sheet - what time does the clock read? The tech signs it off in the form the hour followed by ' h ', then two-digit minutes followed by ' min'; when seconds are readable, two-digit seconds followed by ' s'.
1 h 54 min
